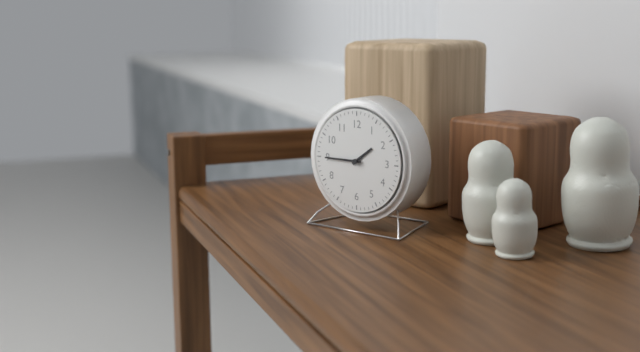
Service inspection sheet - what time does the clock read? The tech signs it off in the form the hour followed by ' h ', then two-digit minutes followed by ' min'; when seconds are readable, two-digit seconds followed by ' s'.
1 h 45 min
